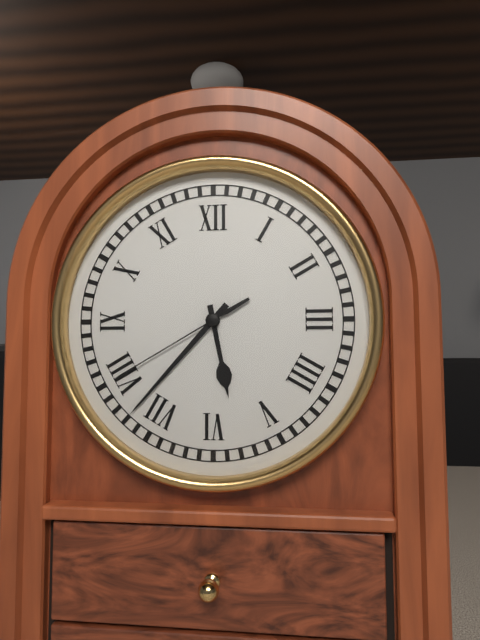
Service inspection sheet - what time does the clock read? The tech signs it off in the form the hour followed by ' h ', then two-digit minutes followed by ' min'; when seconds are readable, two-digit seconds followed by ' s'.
5 h 37 min 40 s
